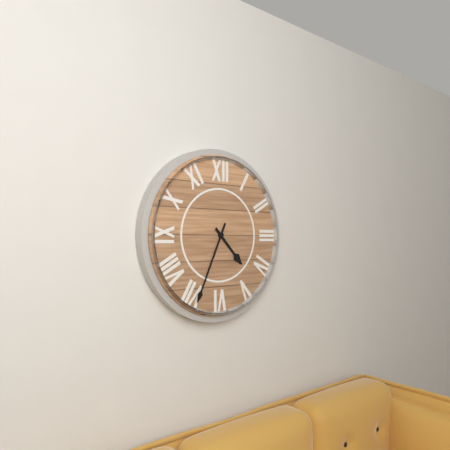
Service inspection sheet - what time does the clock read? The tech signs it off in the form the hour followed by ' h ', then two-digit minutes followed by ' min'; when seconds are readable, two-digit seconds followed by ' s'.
4 h 34 min
